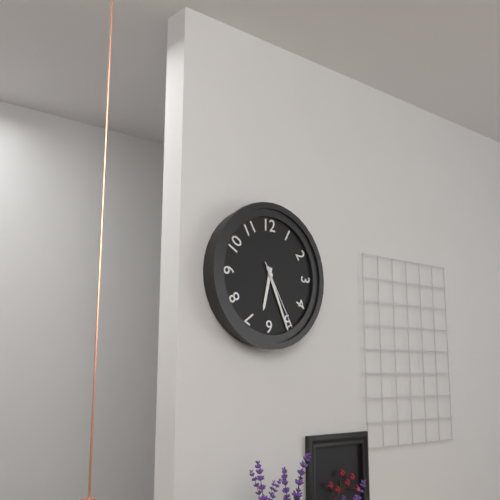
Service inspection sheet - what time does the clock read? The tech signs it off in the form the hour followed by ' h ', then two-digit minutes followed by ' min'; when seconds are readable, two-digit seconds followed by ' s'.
6 h 26 min 25 s
